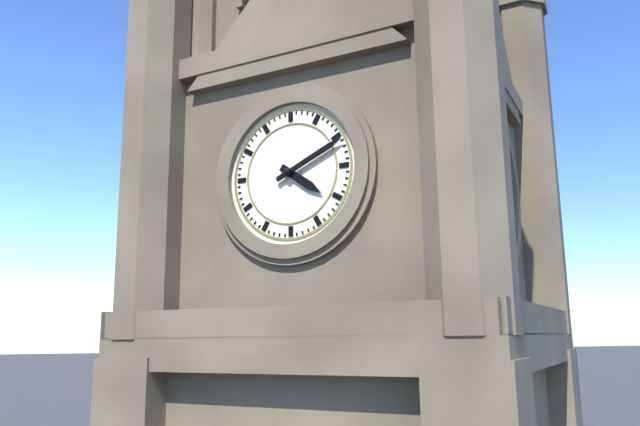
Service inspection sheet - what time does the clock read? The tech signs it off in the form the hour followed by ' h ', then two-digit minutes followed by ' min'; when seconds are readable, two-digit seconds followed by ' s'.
4 h 11 min
